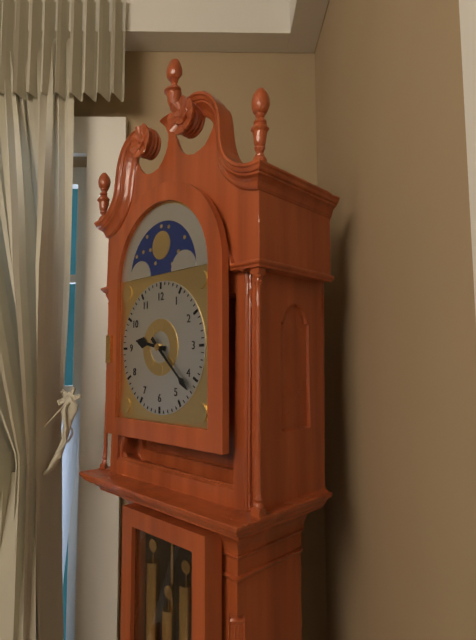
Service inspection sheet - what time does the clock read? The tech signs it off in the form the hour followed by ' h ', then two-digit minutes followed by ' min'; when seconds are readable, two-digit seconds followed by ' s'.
9 h 22 min
